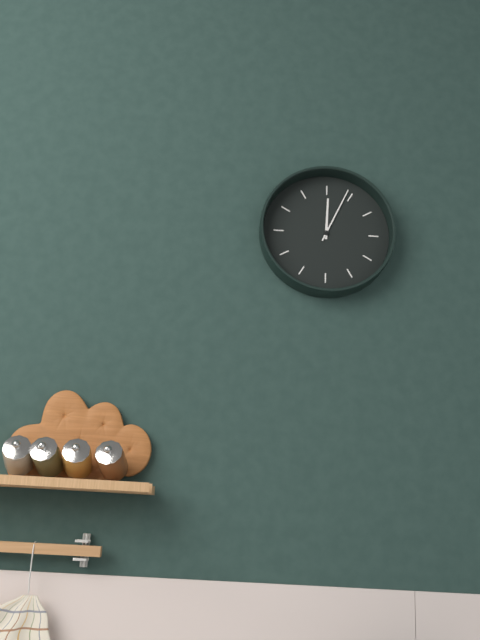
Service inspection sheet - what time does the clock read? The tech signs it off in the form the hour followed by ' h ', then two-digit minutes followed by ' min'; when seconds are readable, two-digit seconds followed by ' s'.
12 h 04 min
